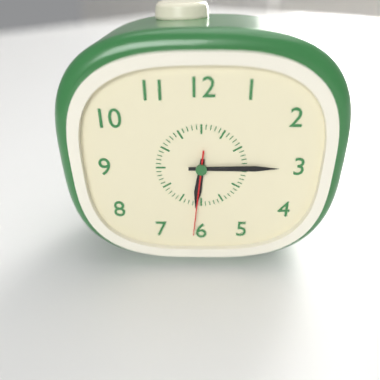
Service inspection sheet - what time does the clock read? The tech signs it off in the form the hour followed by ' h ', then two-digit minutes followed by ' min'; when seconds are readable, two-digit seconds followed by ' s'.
6 h 15 min 31 s
